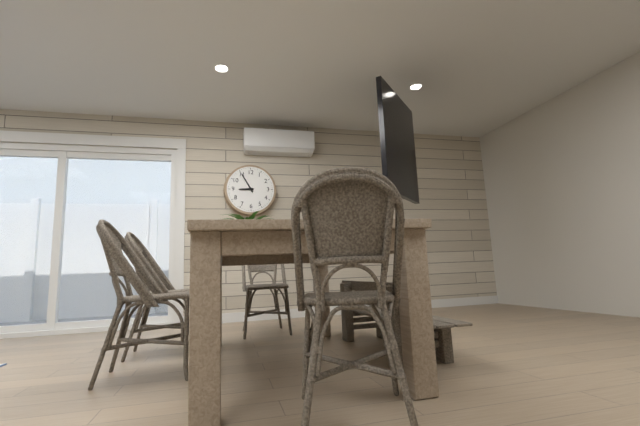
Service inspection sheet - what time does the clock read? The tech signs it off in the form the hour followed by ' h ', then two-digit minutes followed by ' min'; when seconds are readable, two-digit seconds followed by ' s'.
8 h 55 min
